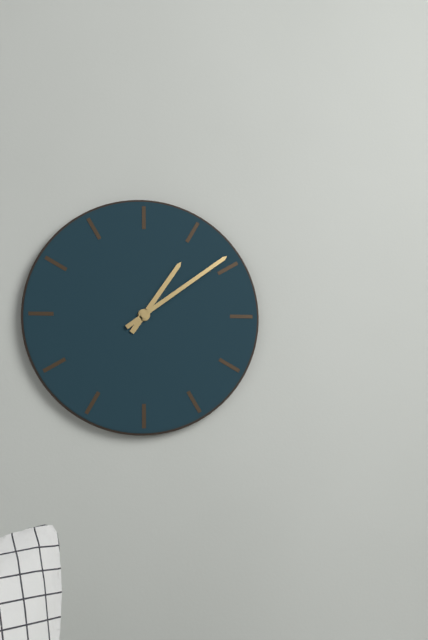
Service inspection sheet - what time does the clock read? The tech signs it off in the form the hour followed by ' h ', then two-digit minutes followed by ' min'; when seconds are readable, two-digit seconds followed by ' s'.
1 h 09 min
